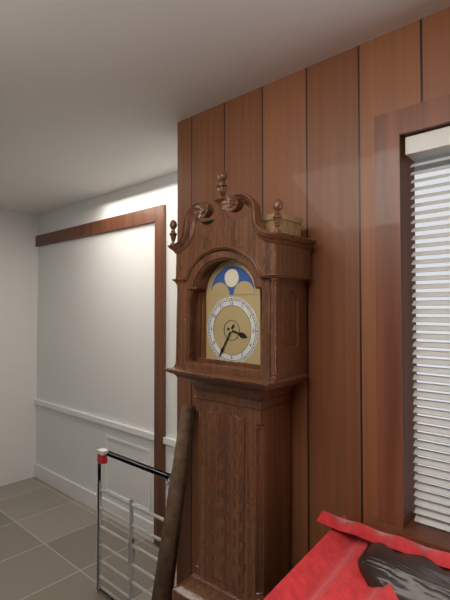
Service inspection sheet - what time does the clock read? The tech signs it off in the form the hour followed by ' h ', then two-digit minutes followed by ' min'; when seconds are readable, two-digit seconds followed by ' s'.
3 h 35 min
